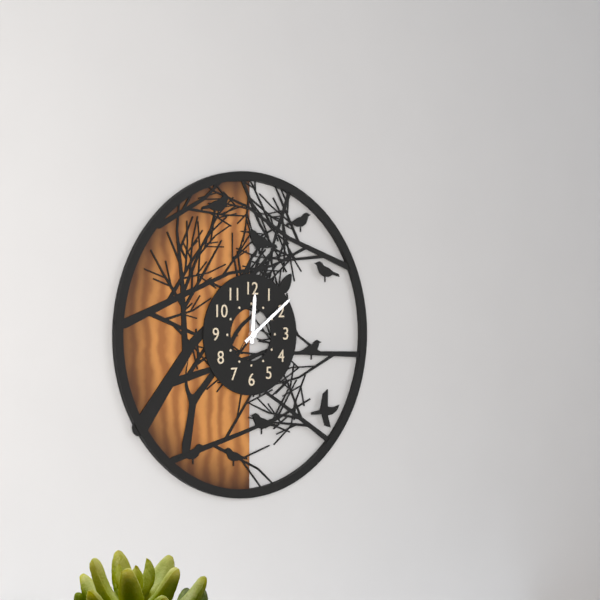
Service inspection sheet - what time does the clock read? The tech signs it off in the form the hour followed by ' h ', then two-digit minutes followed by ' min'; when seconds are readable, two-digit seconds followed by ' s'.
12 h 09 min
